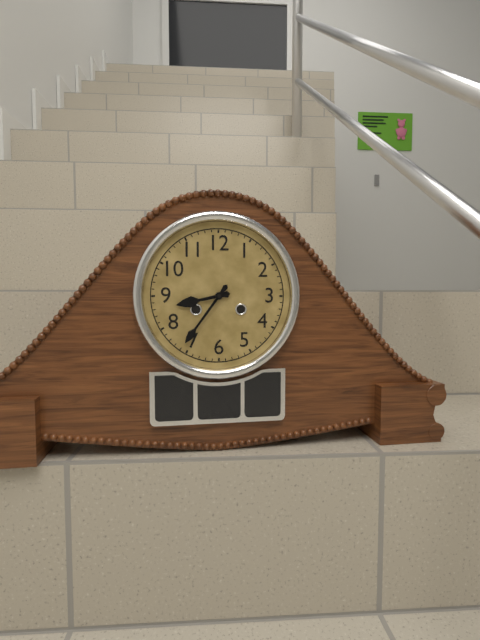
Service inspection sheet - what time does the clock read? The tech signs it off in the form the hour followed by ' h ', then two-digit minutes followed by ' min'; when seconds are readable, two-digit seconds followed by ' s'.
8 h 36 min
